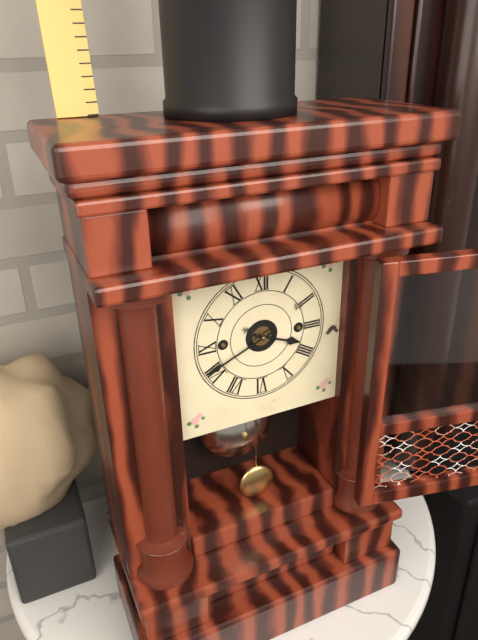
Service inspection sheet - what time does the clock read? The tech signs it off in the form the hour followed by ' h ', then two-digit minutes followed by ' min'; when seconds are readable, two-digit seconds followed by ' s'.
3 h 41 min
